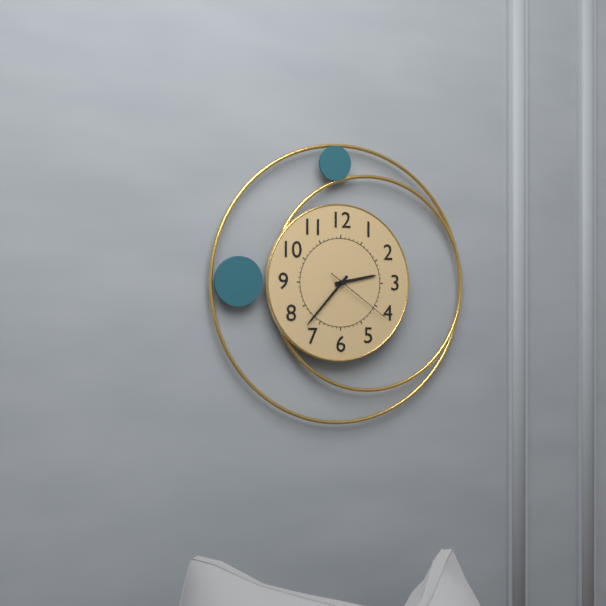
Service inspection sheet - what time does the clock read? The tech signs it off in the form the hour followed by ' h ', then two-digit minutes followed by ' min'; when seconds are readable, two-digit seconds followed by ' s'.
2 h 37 min 21 s
